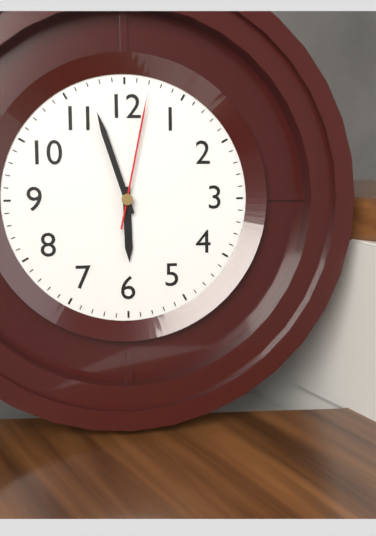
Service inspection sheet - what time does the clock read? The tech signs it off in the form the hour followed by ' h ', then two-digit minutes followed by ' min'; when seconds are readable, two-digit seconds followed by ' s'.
5 h 57 min 02 s
